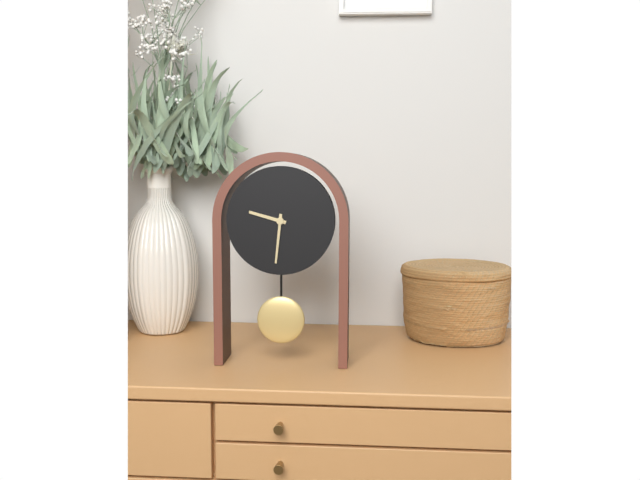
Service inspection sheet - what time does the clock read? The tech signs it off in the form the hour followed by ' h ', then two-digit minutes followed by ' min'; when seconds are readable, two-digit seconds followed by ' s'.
9 h 31 min
